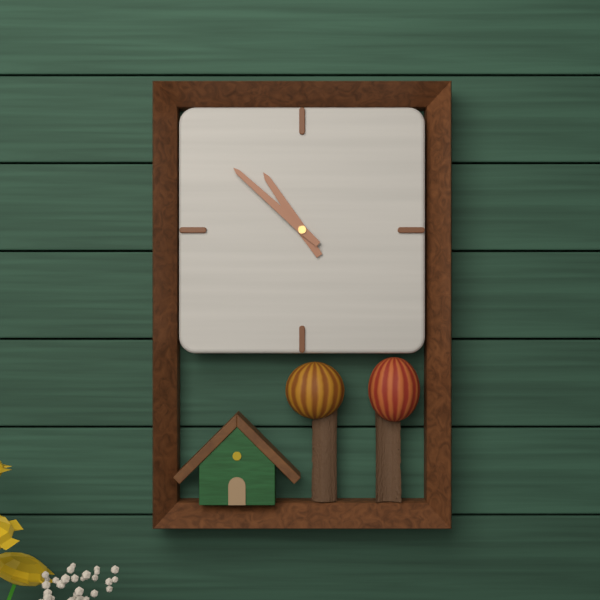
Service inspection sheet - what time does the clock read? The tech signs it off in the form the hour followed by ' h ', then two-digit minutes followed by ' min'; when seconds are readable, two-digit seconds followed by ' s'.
10 h 52 min
